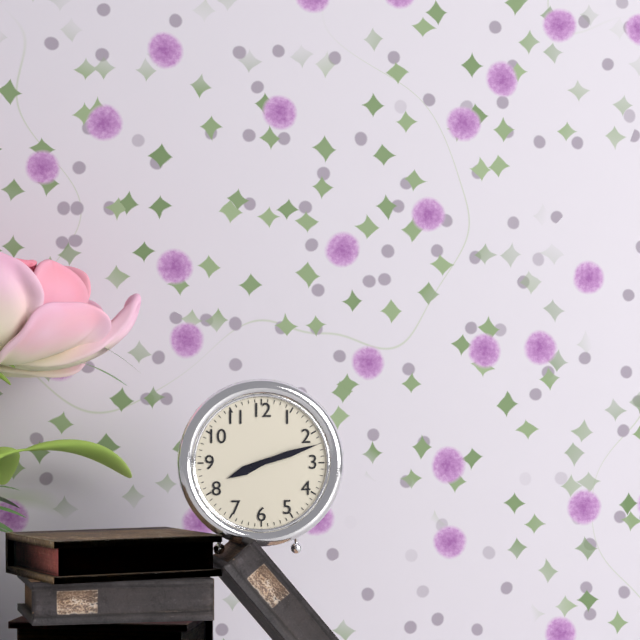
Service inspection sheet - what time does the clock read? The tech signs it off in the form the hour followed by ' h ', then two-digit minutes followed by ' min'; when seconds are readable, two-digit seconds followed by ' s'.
8 h 12 min
